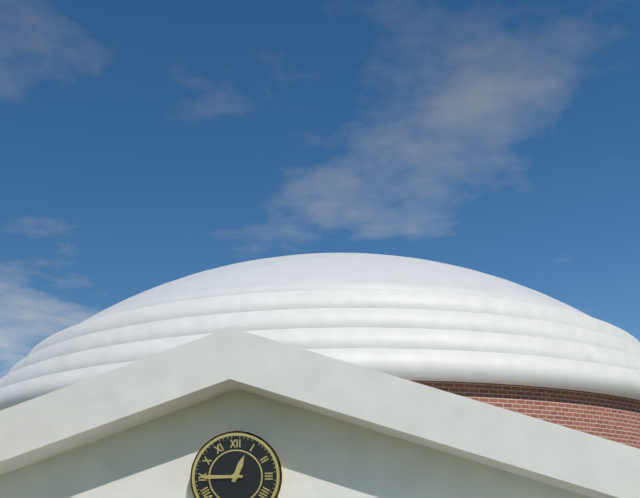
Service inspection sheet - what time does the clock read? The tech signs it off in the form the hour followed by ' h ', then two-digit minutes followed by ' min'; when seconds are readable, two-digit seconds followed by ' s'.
12 h 45 min
